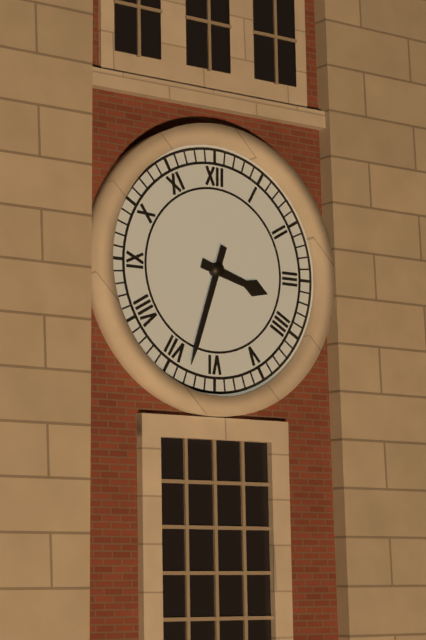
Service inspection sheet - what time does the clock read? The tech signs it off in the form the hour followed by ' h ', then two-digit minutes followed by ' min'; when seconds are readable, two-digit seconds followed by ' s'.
3 h 33 min
